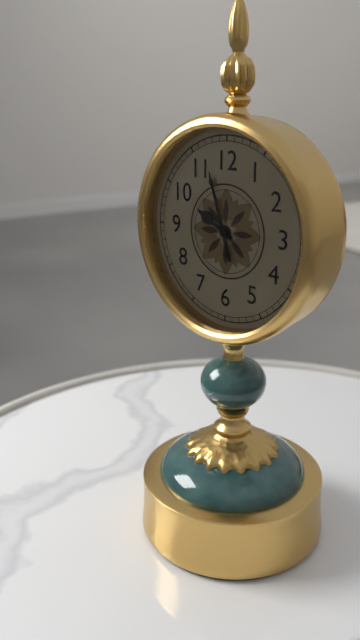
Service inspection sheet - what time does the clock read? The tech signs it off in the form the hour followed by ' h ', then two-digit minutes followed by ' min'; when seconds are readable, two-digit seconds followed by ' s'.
9 h 57 min
